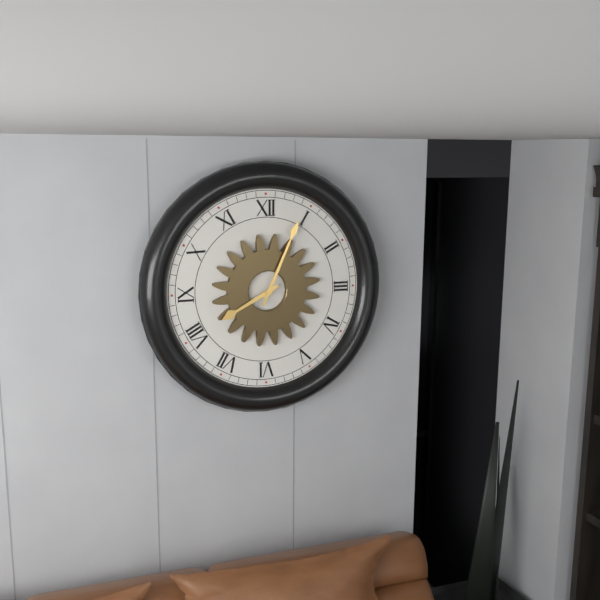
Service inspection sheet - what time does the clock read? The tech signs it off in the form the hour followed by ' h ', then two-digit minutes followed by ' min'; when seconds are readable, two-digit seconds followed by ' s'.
8 h 04 min
